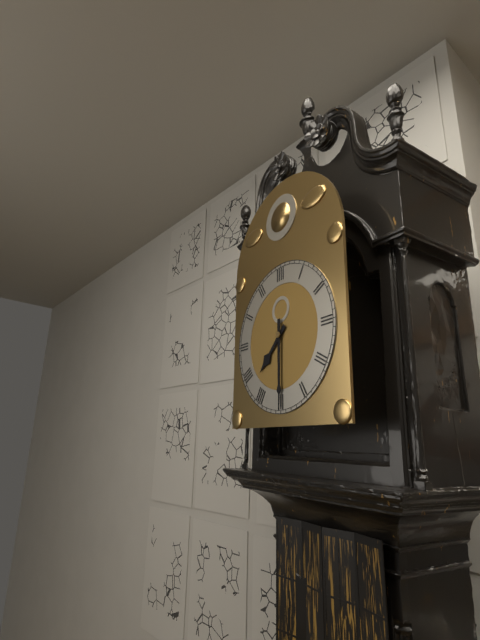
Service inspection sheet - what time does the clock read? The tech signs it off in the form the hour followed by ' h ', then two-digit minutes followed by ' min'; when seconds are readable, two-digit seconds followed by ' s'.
7 h 30 min
